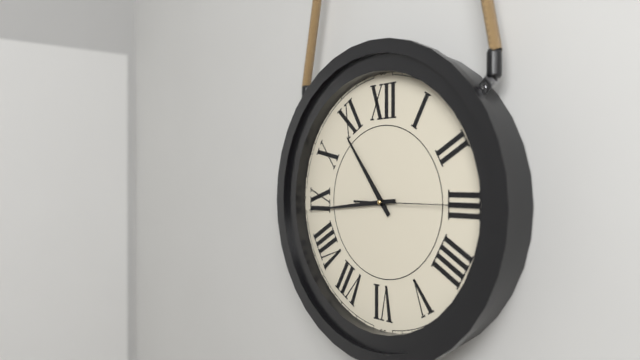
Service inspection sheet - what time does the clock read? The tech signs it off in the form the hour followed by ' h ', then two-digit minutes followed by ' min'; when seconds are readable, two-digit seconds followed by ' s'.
10 h 44 min 15 s
